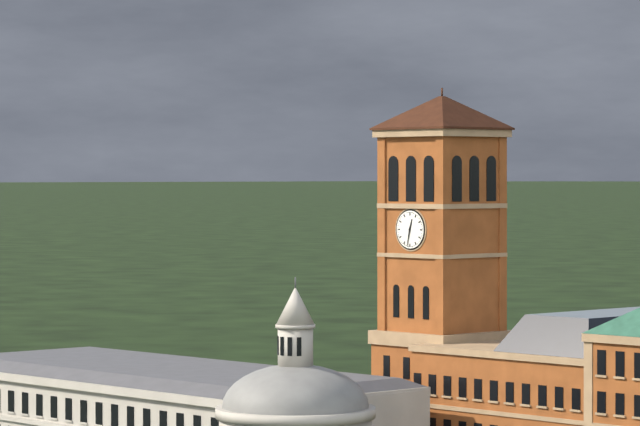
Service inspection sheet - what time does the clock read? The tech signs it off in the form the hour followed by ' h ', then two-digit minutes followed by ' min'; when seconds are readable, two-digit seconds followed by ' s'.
12 h 32 min
